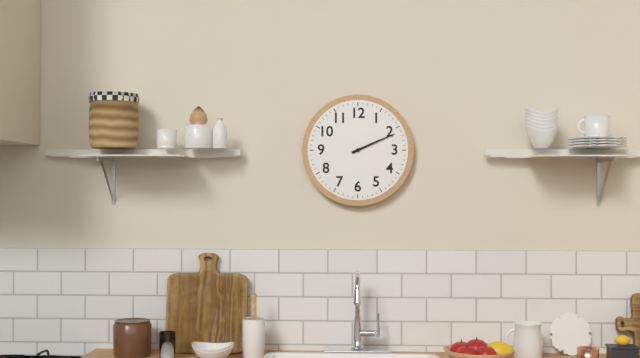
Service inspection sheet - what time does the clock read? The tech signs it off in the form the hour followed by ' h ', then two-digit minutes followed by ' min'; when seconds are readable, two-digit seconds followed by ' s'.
2 h 11 min
